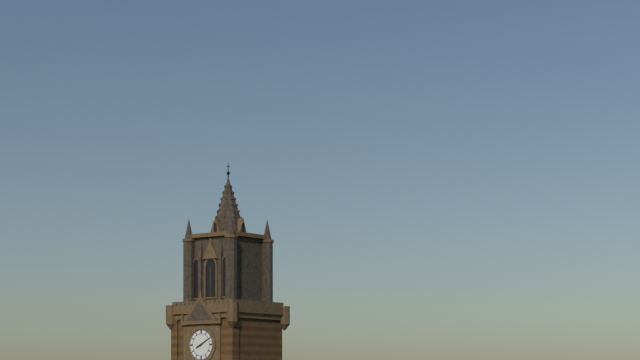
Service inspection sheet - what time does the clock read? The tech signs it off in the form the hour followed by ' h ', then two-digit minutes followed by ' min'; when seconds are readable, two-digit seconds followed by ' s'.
8 h 10 min
